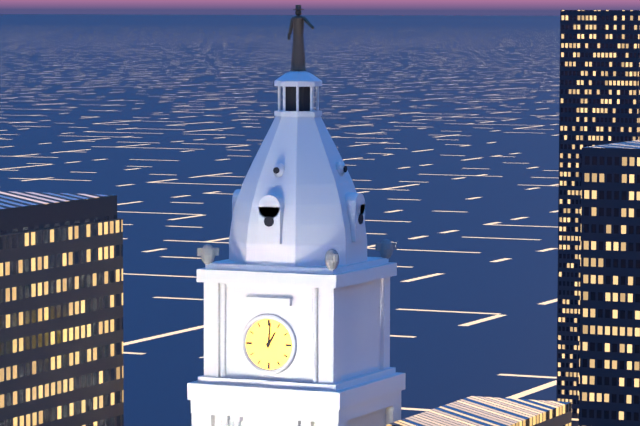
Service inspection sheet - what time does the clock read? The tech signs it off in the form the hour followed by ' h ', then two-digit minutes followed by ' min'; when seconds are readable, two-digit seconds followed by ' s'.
1 h 01 min
